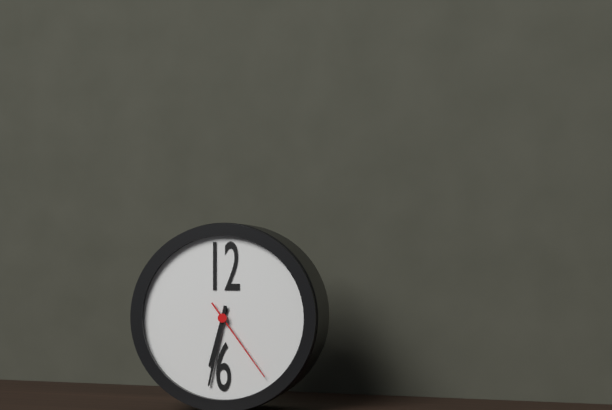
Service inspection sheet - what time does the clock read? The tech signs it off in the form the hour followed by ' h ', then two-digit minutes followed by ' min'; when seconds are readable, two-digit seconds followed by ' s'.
6 h 32 min 24 s
